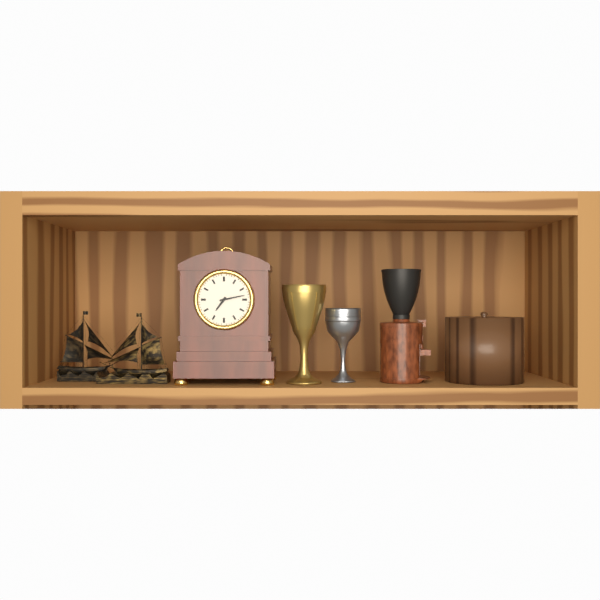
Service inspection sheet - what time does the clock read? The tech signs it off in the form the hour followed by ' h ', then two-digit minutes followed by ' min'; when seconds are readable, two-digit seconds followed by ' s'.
7 h 13 min
